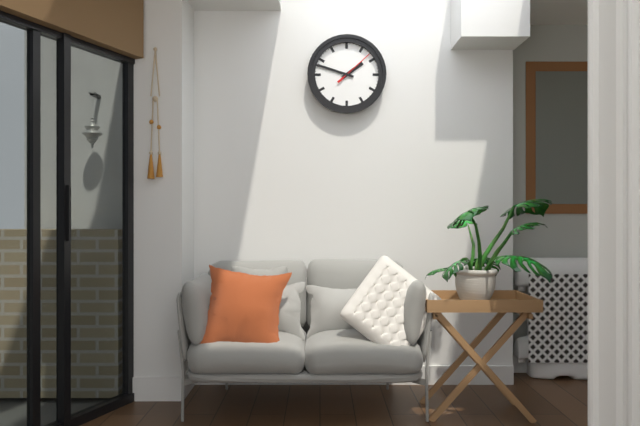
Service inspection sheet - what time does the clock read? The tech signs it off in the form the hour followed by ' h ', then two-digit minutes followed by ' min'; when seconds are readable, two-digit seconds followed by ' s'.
1 h 48 min
